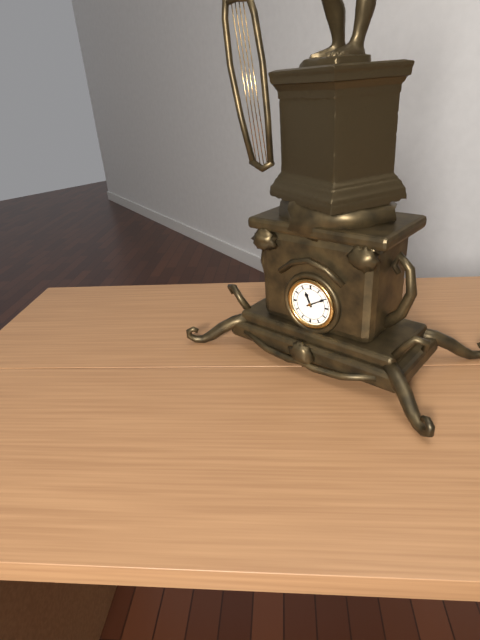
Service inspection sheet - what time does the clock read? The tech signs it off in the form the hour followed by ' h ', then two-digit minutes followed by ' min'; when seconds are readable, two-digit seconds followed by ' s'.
11 h 10 min
